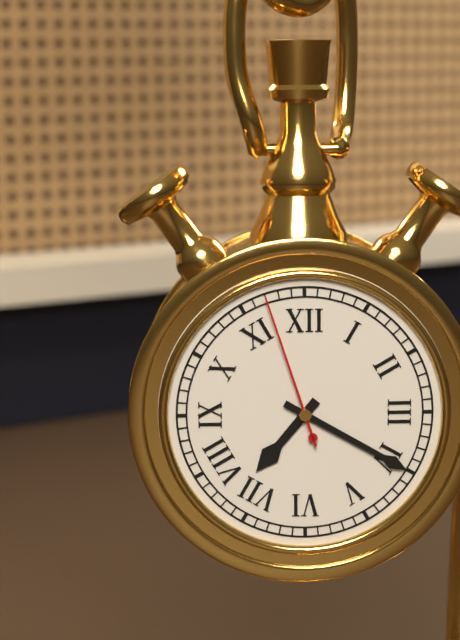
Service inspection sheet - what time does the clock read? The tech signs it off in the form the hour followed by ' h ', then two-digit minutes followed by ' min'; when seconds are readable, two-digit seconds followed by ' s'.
7 h 20 min 57 s
